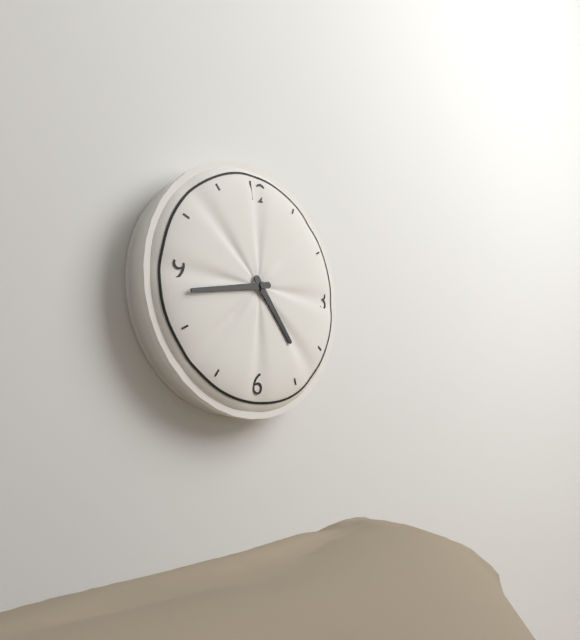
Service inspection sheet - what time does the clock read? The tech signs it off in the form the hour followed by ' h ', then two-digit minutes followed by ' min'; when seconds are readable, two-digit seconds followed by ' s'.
4 h 43 min
